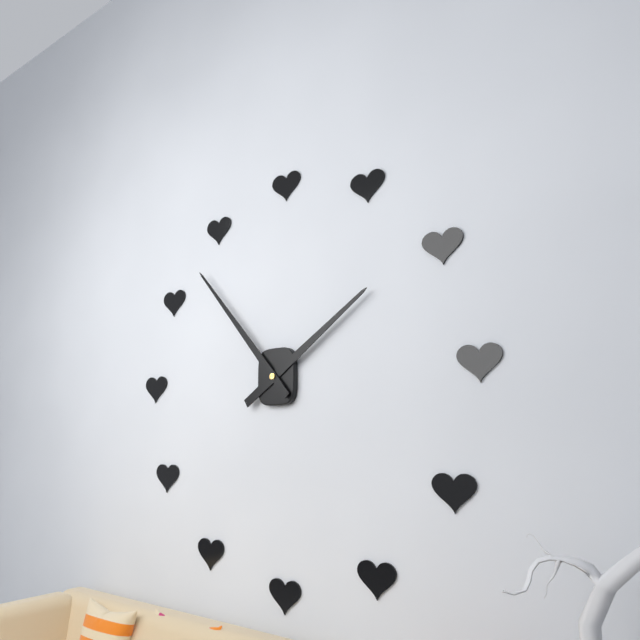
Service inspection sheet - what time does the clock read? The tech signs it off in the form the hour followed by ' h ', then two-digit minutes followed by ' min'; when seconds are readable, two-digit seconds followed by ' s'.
1 h 53 min
